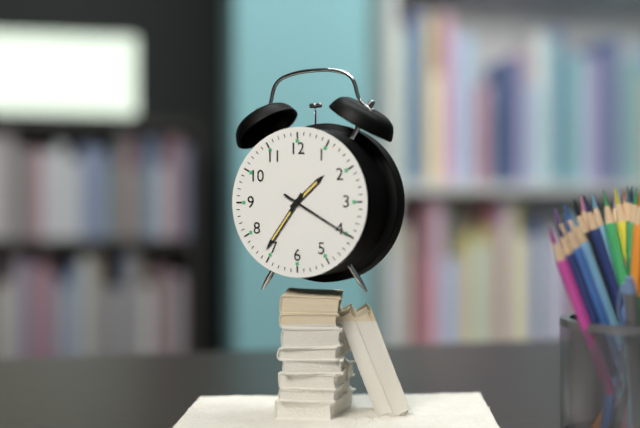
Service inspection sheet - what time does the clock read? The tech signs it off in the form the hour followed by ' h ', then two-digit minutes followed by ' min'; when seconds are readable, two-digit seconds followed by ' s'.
1 h 36 min 20 s
